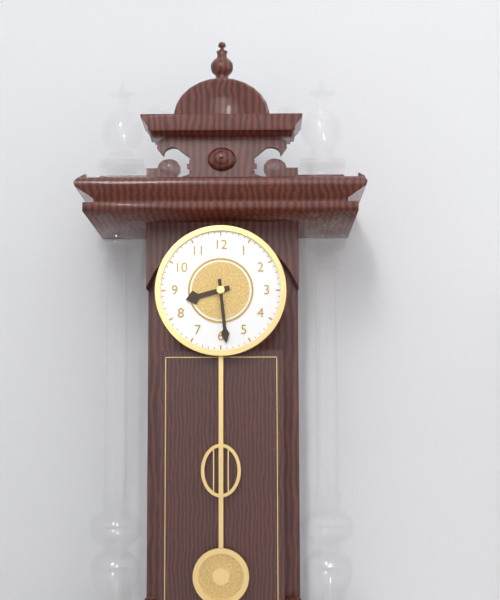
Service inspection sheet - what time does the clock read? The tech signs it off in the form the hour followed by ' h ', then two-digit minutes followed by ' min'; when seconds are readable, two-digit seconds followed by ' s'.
8 h 29 min
